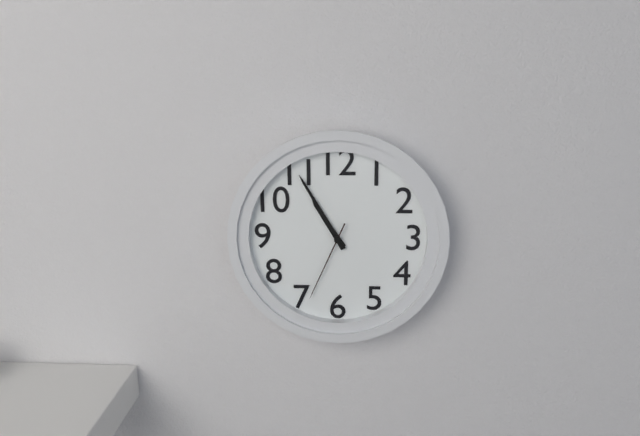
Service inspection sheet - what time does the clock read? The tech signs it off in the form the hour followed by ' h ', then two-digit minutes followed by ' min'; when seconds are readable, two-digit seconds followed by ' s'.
10 h 55 min 34 s
